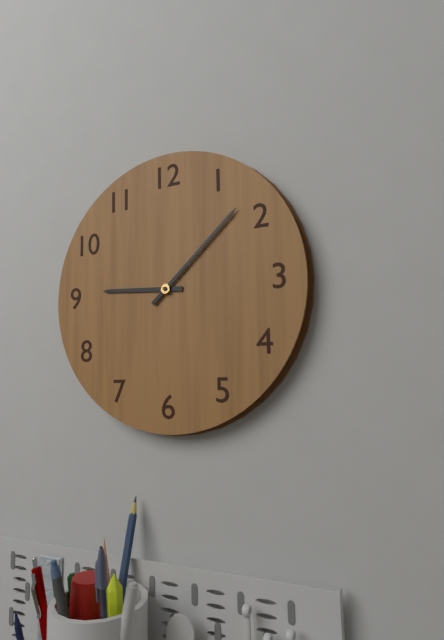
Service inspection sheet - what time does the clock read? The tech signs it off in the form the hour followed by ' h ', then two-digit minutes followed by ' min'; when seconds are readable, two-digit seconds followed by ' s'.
9 h 08 min
